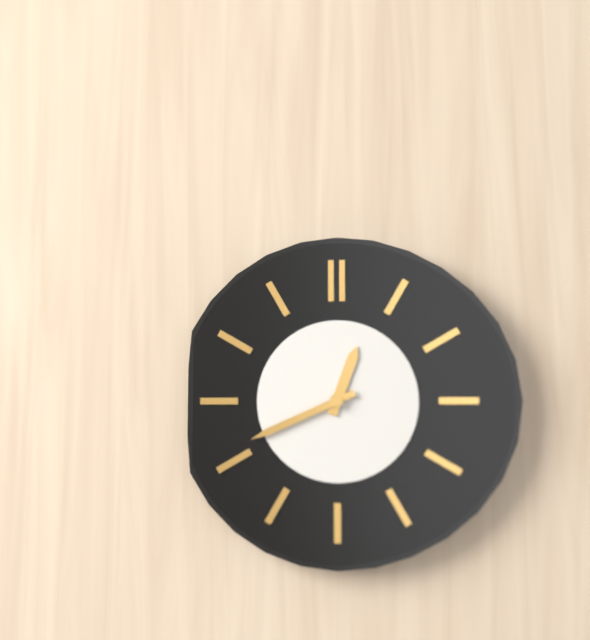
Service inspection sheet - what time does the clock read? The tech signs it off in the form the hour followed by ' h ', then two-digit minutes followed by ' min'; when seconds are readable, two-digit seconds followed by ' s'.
12 h 41 min
